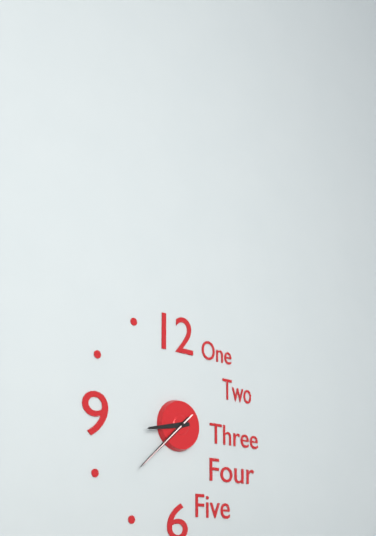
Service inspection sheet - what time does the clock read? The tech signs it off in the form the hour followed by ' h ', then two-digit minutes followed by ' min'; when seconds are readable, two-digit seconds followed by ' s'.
8 h 38 min 38 s
